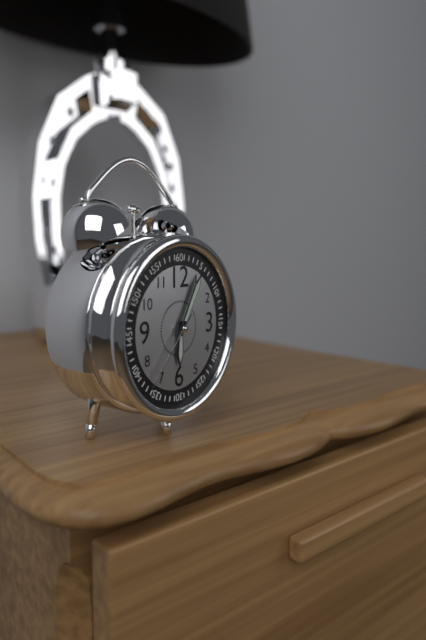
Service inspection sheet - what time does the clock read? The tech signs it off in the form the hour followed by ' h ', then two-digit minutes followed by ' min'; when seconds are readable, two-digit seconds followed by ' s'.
6 h 05 min 37 s
